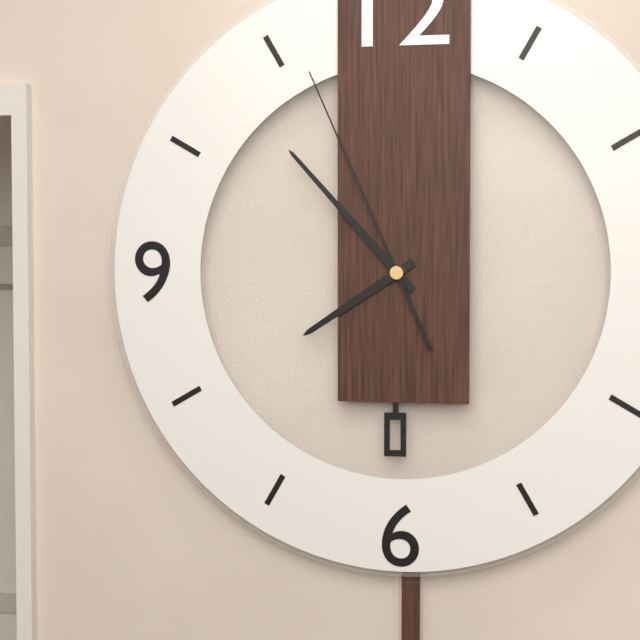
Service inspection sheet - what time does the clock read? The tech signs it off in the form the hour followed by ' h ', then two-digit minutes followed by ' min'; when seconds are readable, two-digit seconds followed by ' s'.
7 h 53 min 56 s
